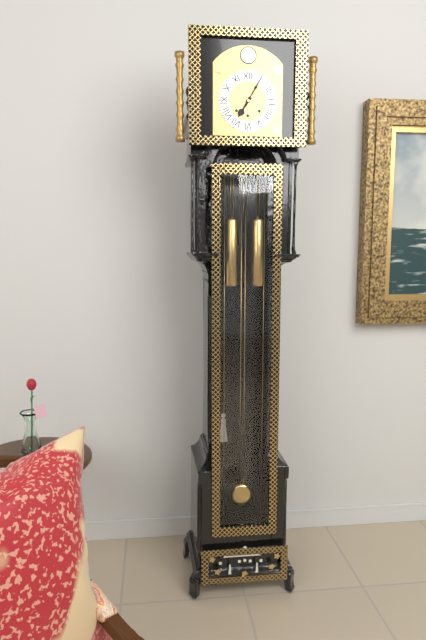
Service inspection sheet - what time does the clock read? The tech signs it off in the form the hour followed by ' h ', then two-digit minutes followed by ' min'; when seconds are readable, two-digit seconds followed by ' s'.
7 h 05 min
